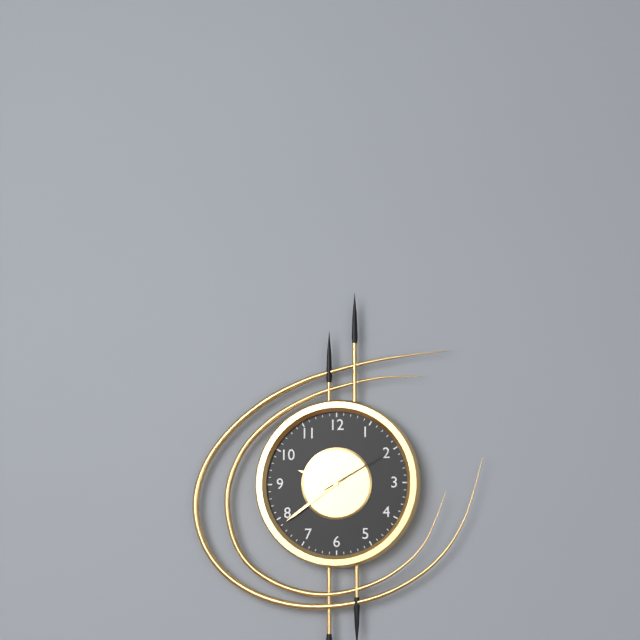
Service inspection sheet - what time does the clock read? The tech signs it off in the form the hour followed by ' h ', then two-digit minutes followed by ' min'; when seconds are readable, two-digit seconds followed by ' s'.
9 h 39 min 10 s
